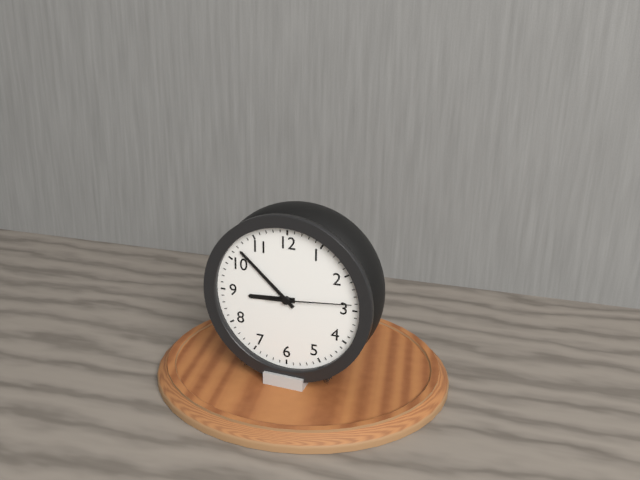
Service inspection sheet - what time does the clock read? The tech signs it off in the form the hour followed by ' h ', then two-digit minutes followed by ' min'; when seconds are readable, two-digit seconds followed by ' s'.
8 h 52 min 14 s
